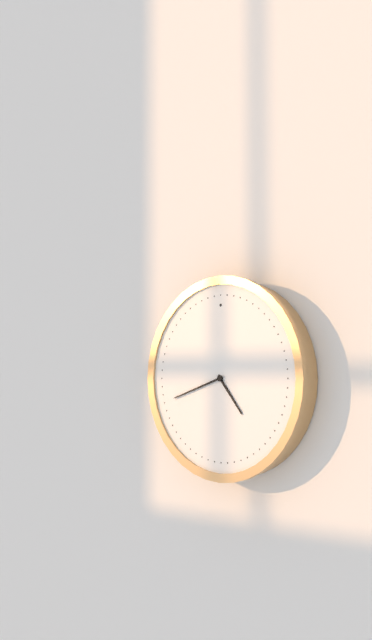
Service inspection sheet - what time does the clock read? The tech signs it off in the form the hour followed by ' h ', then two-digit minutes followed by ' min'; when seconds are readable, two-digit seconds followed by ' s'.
4 h 42 min
